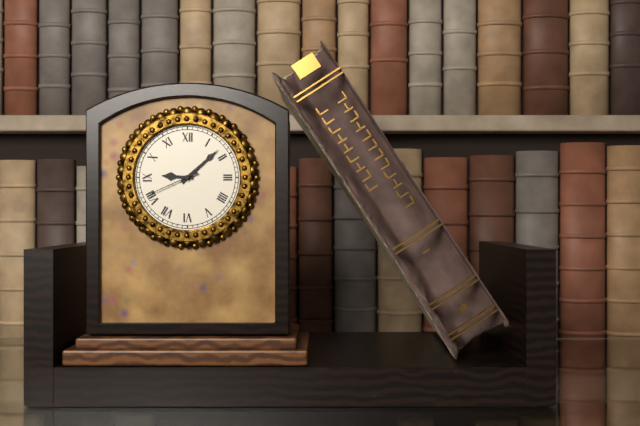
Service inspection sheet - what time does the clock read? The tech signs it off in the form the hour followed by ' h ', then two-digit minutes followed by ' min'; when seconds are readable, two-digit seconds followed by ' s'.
9 h 08 min 41 s
